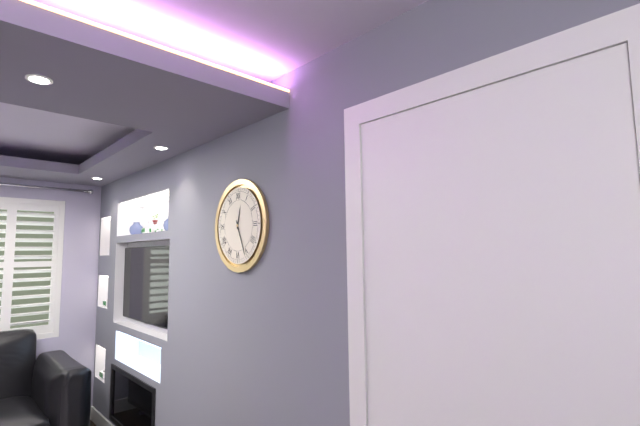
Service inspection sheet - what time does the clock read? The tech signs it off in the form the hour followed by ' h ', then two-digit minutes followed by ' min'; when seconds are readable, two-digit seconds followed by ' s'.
12 h 26 min
